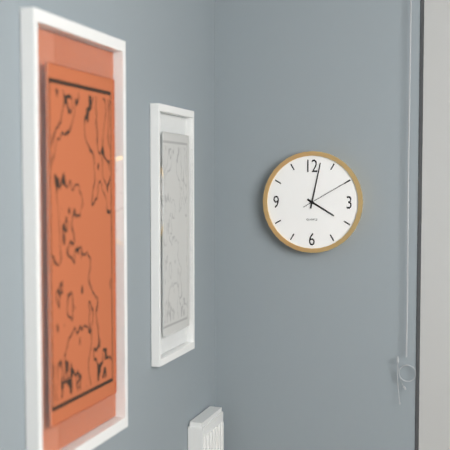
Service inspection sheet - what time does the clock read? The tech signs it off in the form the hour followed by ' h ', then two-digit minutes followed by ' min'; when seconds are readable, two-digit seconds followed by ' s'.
4 h 02 min 10 s
